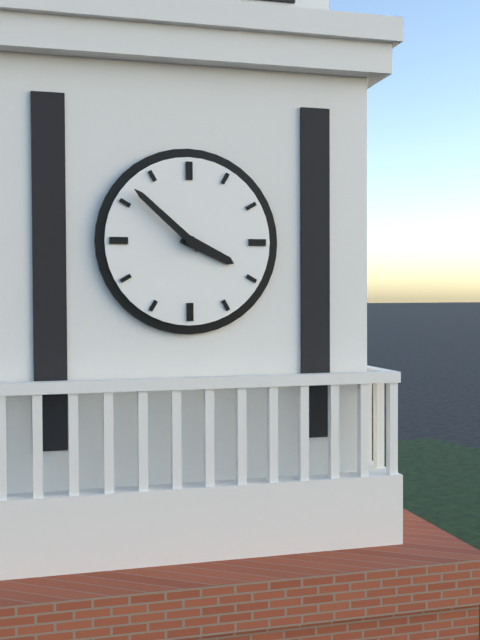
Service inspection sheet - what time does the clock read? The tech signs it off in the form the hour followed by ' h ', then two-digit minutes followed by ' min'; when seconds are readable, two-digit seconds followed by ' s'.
3 h 52 min
